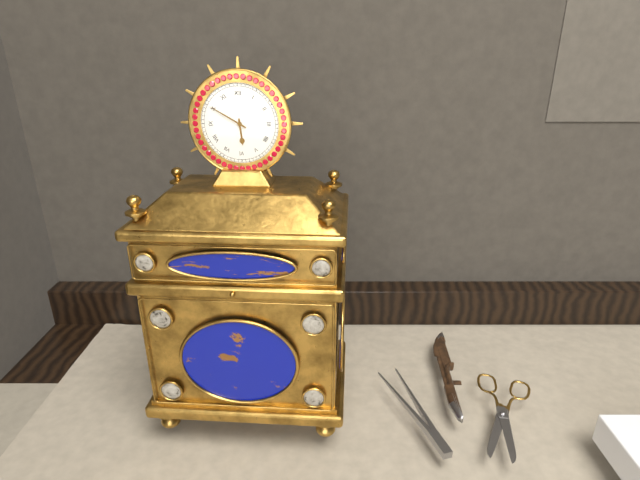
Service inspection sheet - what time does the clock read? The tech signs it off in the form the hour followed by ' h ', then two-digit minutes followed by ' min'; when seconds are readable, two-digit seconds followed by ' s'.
5 h 50 min
